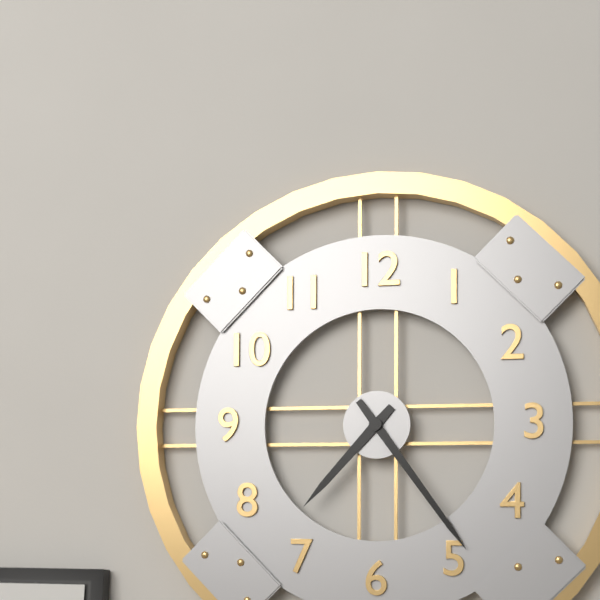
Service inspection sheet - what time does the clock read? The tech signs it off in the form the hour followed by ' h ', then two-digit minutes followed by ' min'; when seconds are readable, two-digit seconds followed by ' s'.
7 h 24 min
